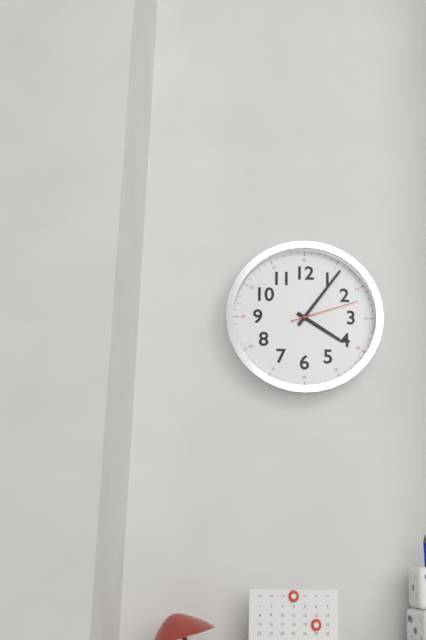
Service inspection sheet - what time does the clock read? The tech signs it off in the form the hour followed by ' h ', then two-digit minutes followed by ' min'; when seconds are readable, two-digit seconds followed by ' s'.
4 h 06 min 12 s
